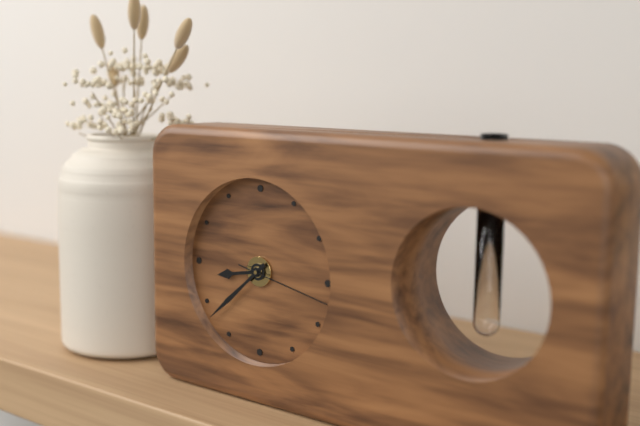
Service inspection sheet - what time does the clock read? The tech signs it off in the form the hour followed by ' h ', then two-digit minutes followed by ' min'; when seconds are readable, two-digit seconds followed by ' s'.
8 h 38 min 17 s
